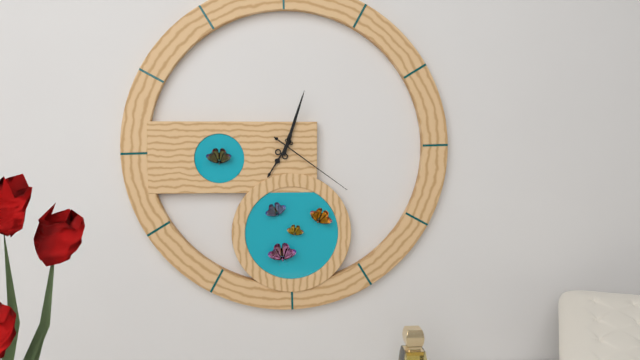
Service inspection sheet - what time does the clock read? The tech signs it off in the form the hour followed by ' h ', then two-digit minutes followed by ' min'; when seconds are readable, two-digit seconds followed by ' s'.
7 h 03 min 21 s
